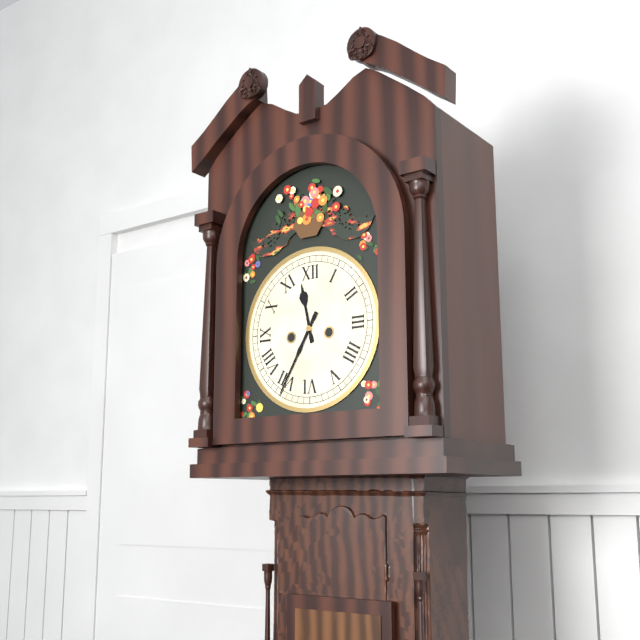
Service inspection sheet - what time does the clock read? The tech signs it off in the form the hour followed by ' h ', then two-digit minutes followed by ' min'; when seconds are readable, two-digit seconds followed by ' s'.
11 h 35 min
